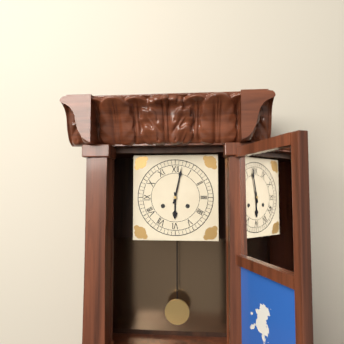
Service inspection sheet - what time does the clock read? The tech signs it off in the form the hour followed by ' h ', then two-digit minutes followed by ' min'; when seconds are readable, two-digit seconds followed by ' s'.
6 h 02 min
